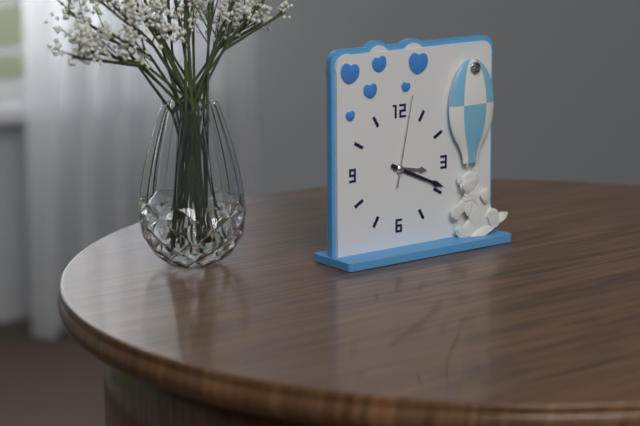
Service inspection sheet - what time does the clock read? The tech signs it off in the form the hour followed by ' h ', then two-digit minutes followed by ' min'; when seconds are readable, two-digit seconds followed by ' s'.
3 h 19 min 02 s
